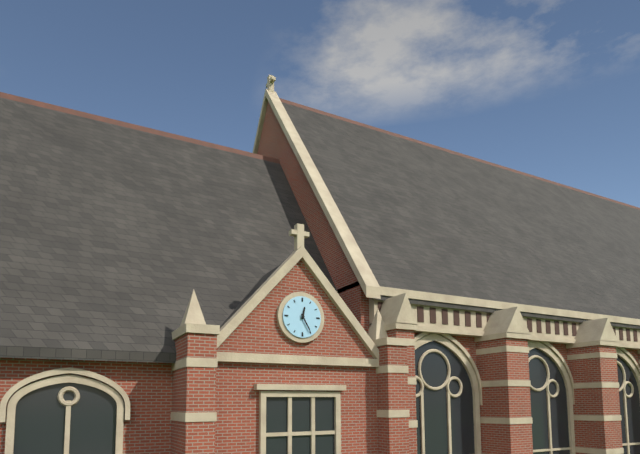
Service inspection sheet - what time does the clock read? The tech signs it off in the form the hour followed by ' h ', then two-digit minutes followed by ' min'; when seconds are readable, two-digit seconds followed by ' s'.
12 h 25 min
